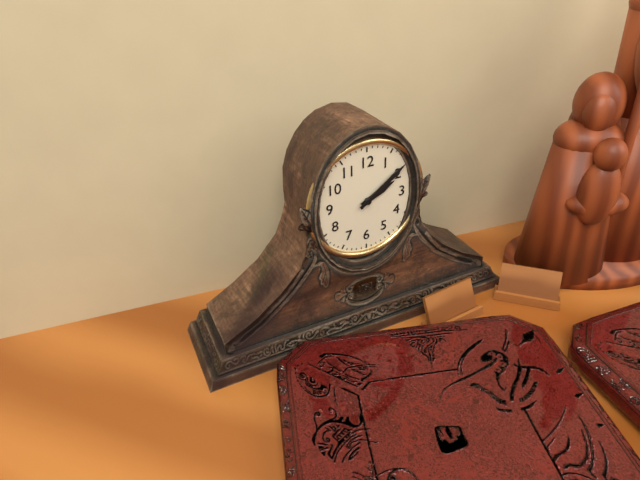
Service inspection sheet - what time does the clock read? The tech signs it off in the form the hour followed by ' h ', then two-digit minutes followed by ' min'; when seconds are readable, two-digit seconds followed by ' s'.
2 h 09 min
